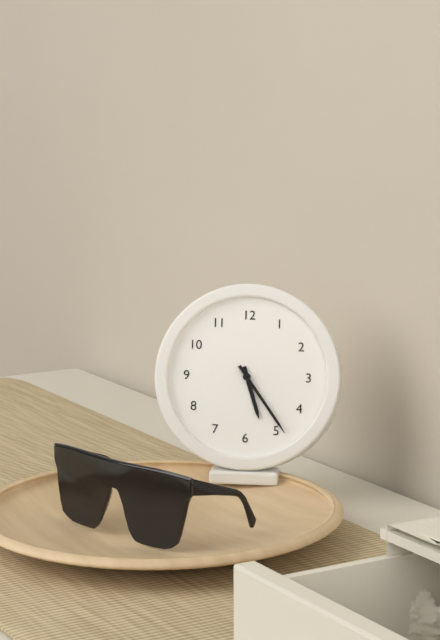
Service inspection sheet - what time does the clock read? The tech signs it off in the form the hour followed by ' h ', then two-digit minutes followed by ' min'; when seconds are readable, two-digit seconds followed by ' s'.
5 h 24 min
